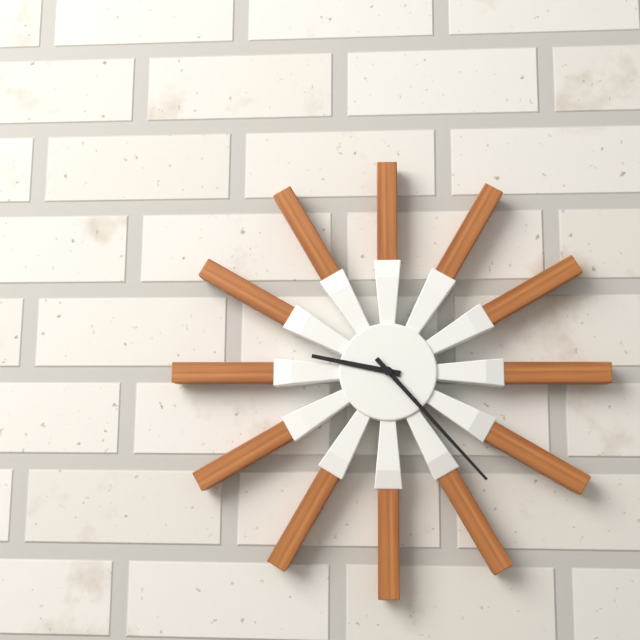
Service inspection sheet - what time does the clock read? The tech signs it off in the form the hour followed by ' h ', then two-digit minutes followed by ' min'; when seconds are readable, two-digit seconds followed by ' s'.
9 h 23 min
